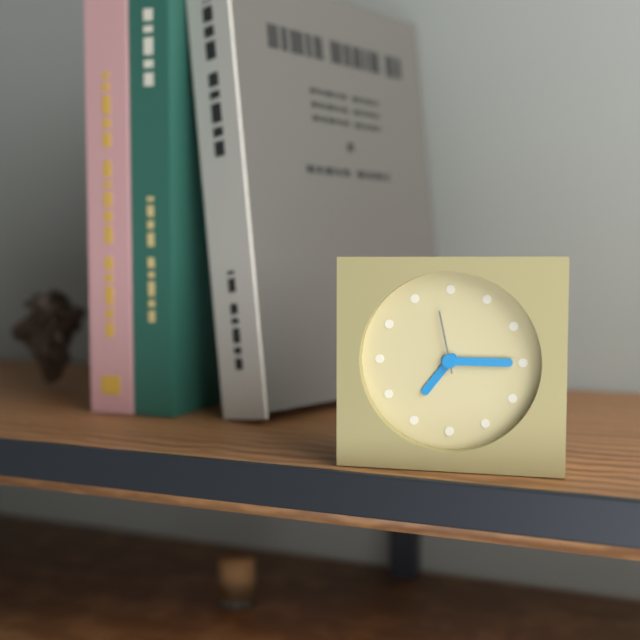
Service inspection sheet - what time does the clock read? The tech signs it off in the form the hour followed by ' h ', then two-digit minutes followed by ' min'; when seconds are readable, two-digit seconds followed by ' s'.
7 h 15 min 58 s
